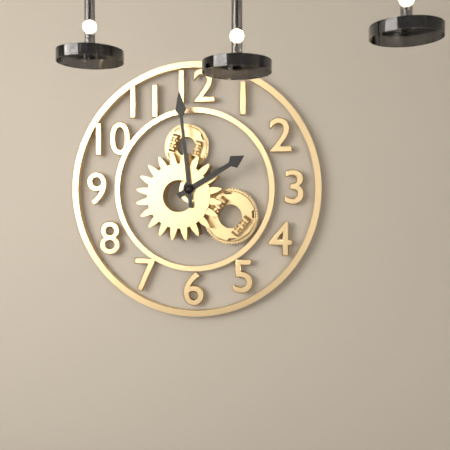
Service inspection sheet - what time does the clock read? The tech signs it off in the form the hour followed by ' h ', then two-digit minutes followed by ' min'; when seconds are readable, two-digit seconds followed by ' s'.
1 h 59 min
